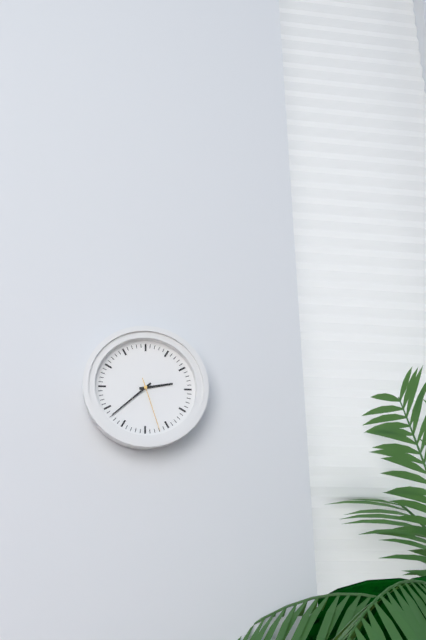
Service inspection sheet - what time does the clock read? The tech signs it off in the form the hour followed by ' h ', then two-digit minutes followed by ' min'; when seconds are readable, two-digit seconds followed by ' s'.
2 h 38 min 27 s
